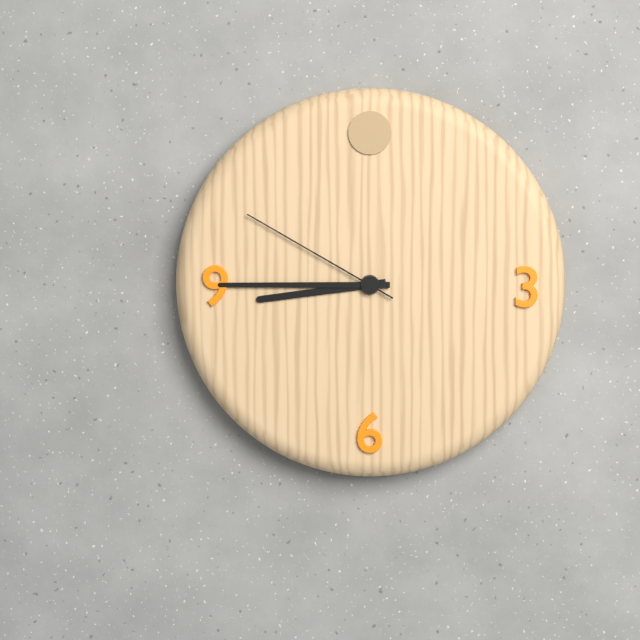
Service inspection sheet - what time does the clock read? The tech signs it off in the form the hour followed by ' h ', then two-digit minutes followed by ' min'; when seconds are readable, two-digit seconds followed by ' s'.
8 h 45 min 50 s
